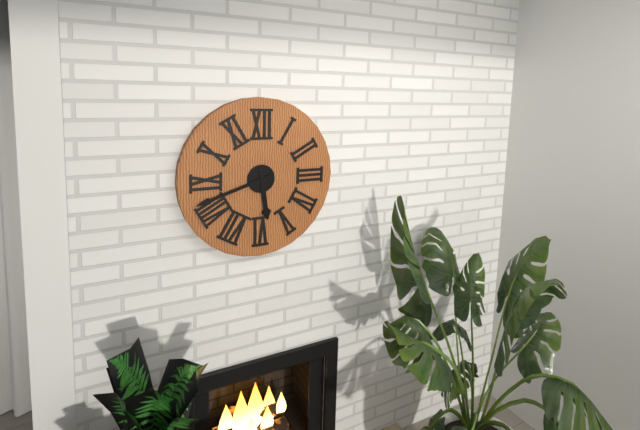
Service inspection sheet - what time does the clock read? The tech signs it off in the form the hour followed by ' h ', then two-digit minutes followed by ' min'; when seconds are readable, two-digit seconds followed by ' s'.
5 h 42 min
